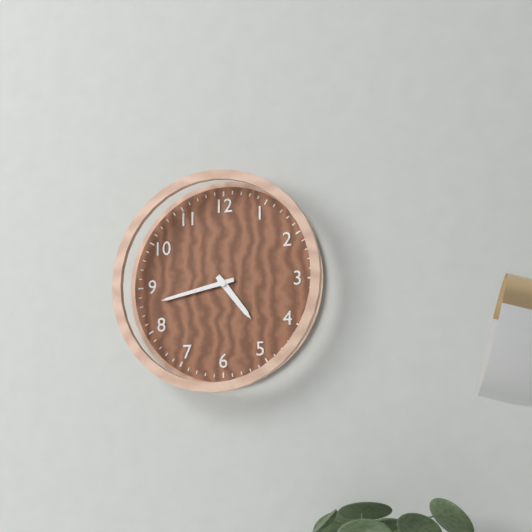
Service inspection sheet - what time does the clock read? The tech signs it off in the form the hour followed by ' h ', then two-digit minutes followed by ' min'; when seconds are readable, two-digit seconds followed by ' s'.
4 h 43 min
